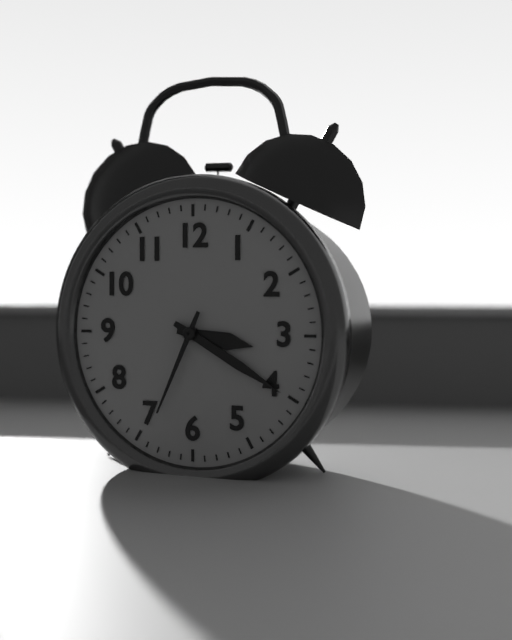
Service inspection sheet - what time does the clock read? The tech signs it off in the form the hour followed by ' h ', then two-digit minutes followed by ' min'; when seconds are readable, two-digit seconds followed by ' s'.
3 h 20 min 34 s
